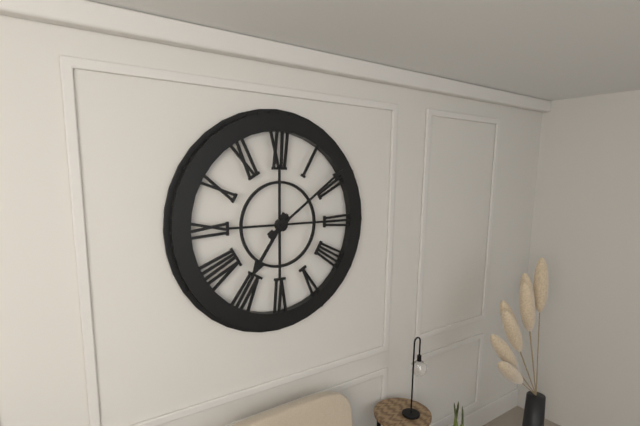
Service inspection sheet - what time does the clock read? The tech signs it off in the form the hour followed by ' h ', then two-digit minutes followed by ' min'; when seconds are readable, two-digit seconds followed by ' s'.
7 h 09 min
